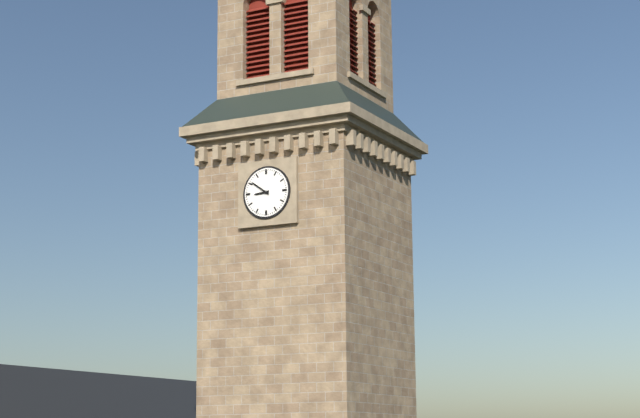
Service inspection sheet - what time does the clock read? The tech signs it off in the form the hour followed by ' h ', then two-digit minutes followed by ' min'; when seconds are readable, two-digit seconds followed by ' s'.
8 h 51 min
